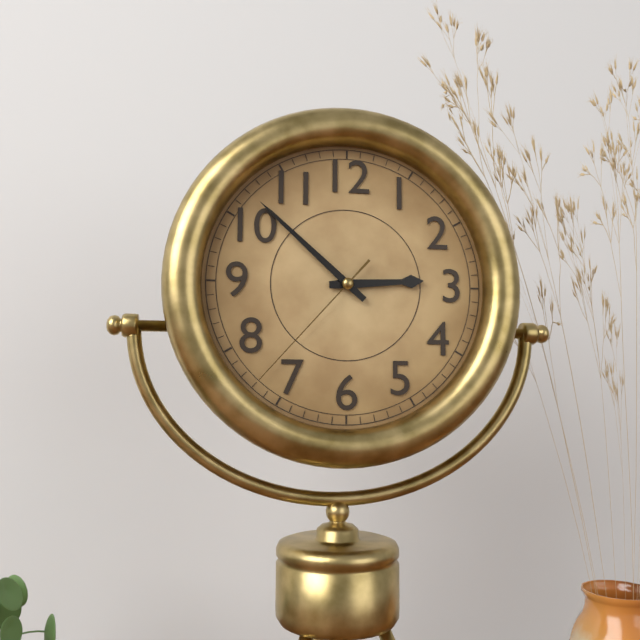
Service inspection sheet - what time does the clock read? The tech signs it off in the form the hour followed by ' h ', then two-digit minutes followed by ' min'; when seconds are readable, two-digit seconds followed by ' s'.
2 h 52 min 37 s
